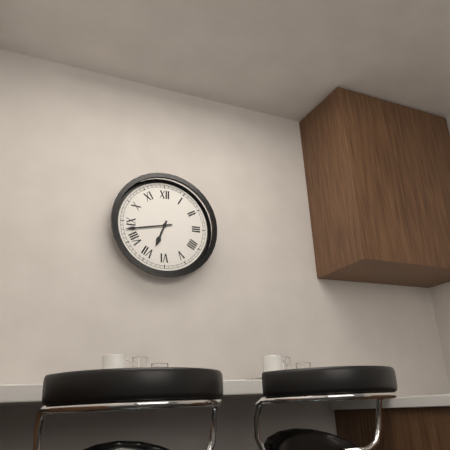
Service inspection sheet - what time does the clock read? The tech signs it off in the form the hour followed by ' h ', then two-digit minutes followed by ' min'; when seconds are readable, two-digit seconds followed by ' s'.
6 h 43 min
